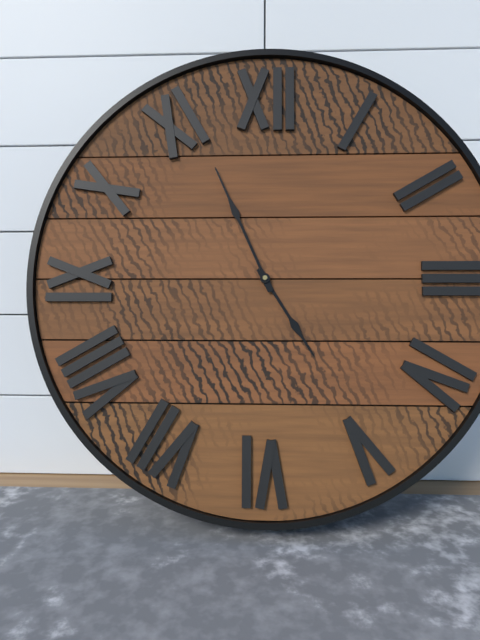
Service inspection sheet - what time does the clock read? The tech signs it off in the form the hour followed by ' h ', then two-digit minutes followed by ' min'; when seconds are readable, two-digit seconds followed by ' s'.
4 h 56 min
